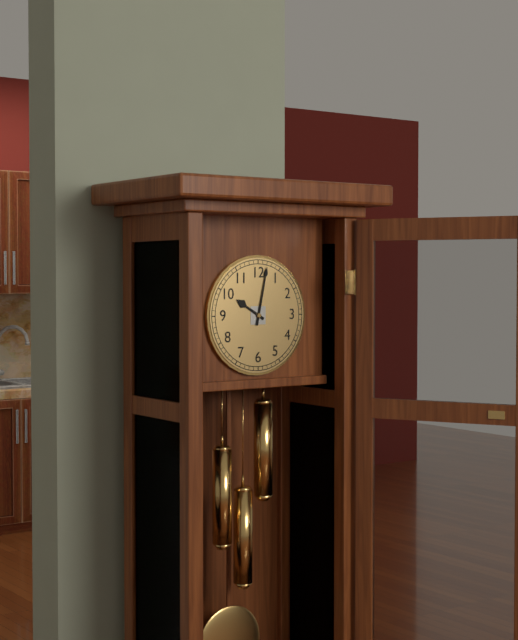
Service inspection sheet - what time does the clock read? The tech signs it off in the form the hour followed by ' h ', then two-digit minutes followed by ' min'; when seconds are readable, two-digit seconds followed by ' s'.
10 h 02 min
